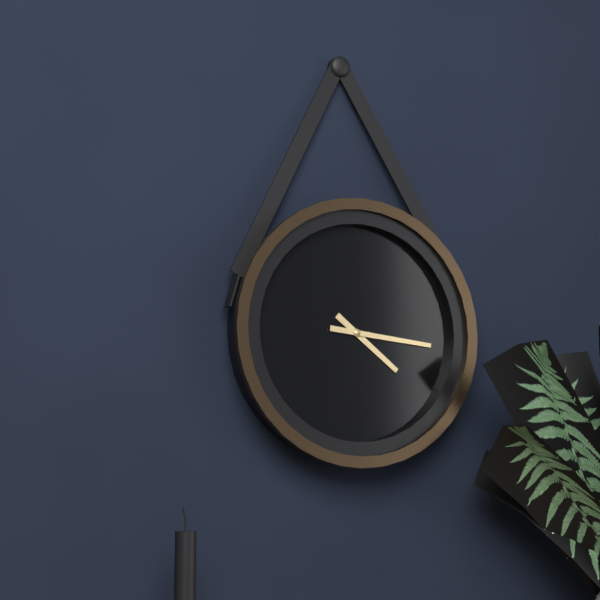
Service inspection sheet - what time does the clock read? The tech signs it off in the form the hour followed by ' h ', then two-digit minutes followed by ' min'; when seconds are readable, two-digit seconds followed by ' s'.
4 h 16 min
